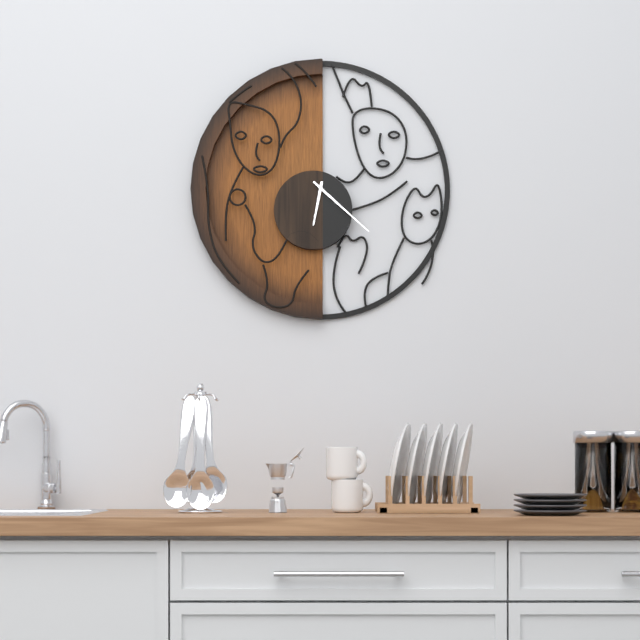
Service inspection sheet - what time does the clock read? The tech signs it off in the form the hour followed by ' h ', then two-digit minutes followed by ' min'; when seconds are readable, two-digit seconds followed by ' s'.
6 h 22 min
